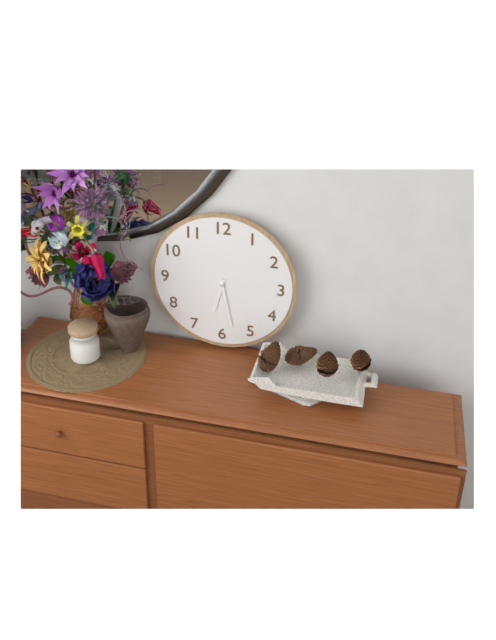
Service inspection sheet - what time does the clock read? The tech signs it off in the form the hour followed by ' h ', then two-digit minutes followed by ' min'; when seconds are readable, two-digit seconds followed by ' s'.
6 h 28 min
